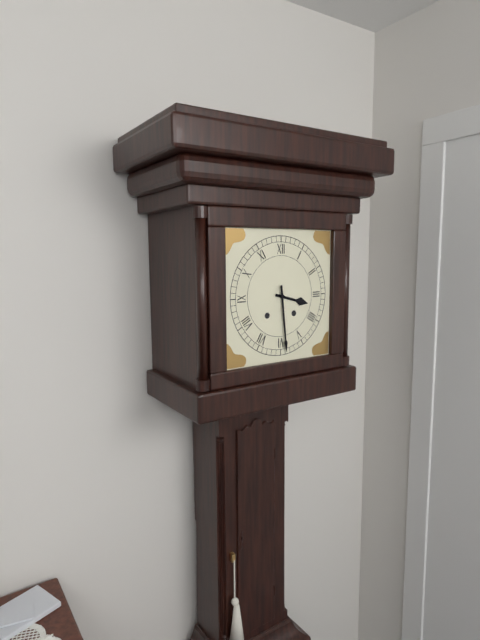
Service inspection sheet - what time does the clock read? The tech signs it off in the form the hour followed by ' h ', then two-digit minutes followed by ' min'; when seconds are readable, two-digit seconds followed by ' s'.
3 h 29 min
